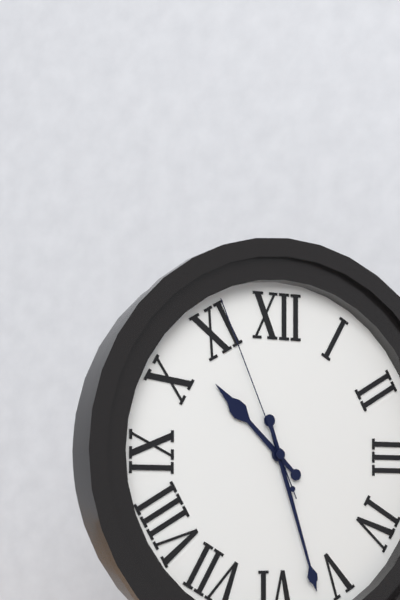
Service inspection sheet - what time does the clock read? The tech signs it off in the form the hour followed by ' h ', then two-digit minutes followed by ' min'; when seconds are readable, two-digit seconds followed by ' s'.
10 h 27 min 56 s
